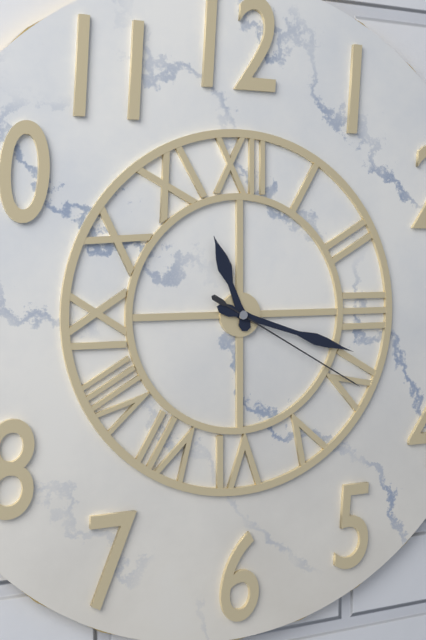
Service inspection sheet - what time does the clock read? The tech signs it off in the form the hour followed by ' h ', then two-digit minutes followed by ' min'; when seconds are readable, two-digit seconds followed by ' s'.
11 h 18 min 20 s
